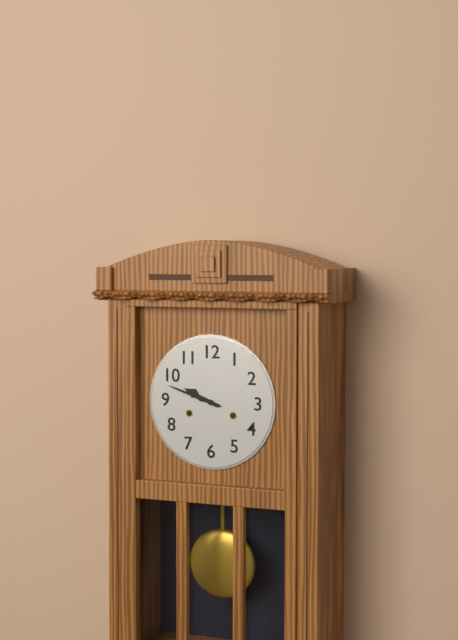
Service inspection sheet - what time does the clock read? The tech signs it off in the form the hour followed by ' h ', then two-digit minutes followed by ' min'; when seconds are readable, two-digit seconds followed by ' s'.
9 h 48 min
